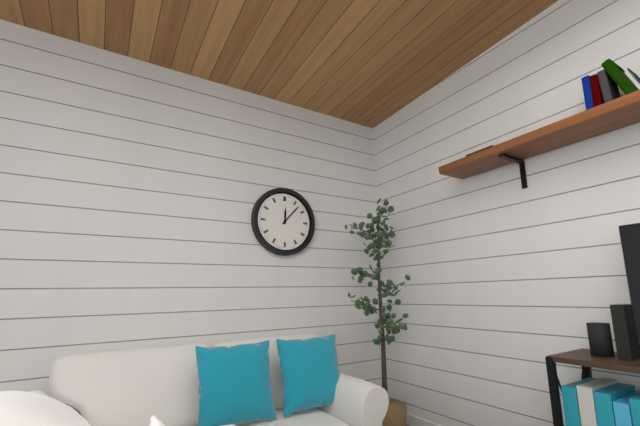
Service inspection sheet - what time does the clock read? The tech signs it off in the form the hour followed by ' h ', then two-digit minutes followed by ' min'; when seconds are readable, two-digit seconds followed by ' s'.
12 h 07 min
